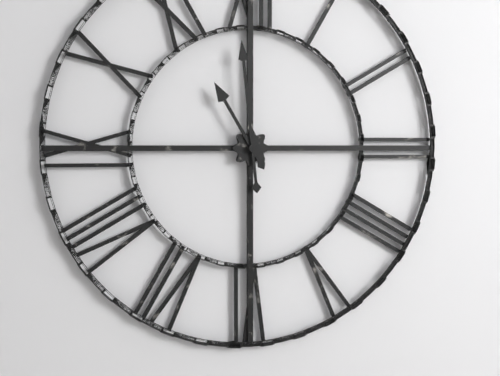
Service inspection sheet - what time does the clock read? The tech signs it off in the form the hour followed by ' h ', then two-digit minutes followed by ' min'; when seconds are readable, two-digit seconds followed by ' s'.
10 h 59 min
